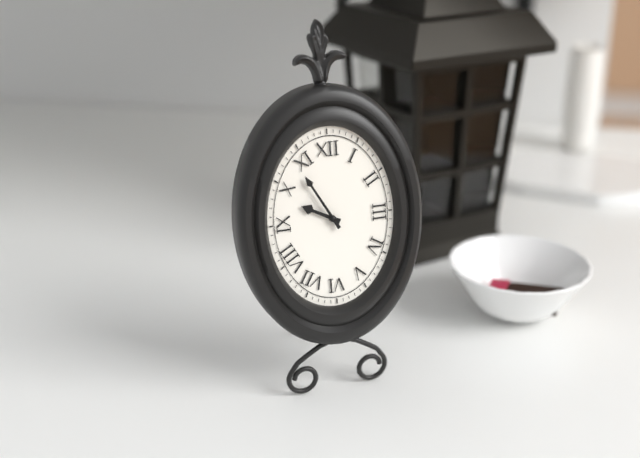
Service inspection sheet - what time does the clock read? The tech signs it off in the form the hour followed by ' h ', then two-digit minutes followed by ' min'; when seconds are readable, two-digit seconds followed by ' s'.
9 h 55 min
